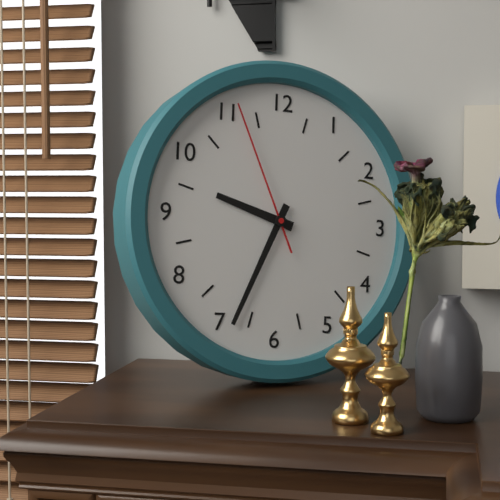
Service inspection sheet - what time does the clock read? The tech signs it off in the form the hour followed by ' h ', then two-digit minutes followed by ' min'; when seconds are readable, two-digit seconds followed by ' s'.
9 h 34 min 56 s
